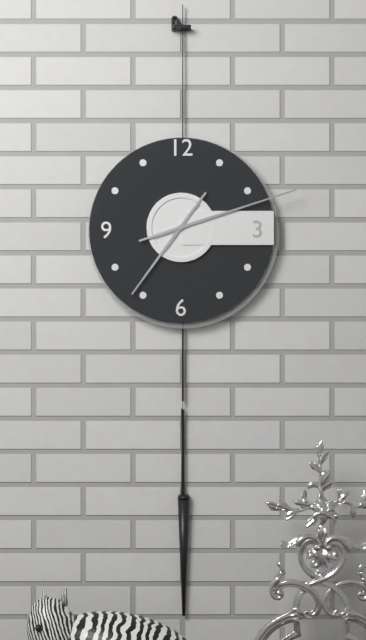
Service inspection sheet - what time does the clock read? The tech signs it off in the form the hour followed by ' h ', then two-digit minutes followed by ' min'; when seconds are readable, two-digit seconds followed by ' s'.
7 h 12 min
